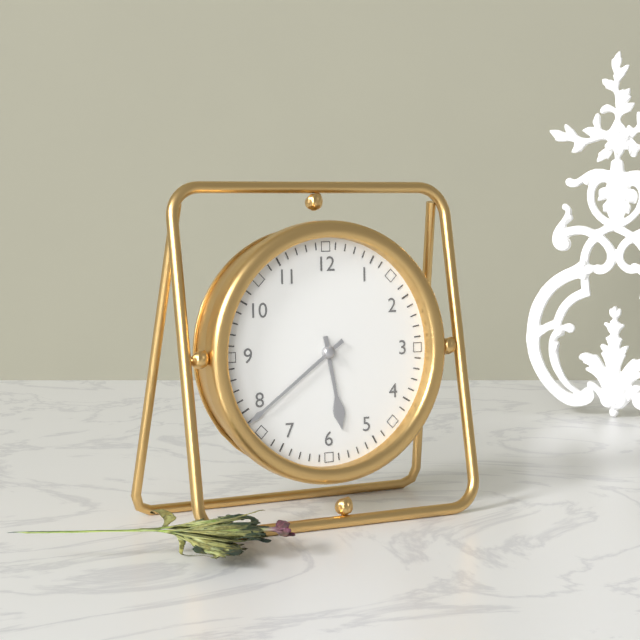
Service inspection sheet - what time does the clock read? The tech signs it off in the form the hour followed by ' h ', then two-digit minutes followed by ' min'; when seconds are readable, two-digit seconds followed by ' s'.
5 h 39 min
